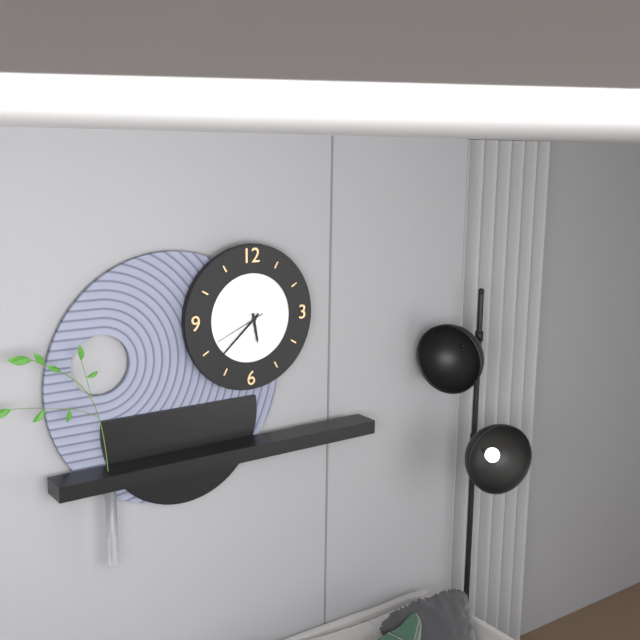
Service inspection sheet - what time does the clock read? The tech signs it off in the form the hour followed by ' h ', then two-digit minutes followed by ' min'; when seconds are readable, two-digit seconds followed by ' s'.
5 h 38 min 41 s
